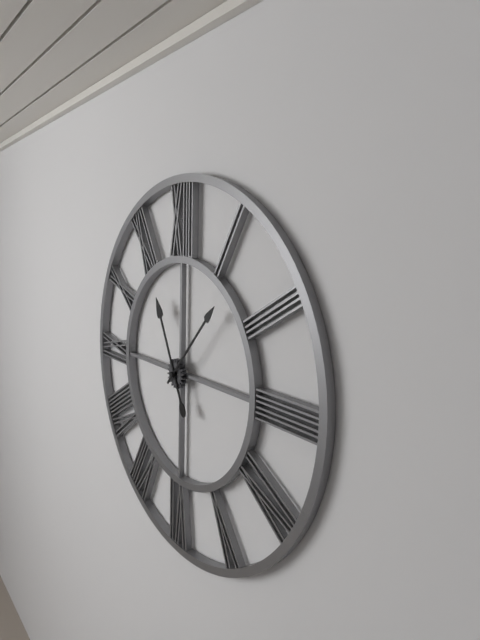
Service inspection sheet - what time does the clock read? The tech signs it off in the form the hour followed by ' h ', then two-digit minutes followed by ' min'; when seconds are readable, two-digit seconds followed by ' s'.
11 h 07 min
